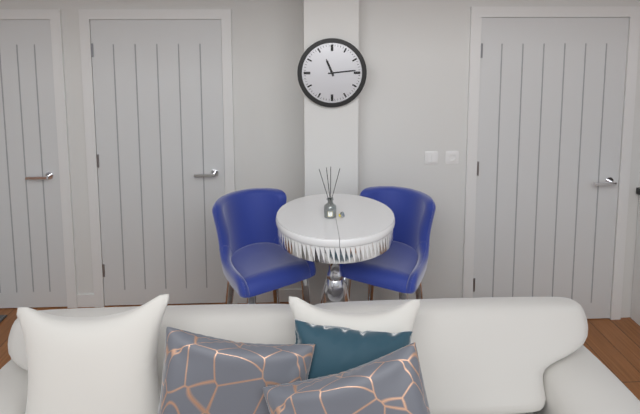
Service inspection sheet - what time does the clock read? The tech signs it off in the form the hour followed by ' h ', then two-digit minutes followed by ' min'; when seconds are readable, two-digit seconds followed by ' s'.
11 h 14 min
